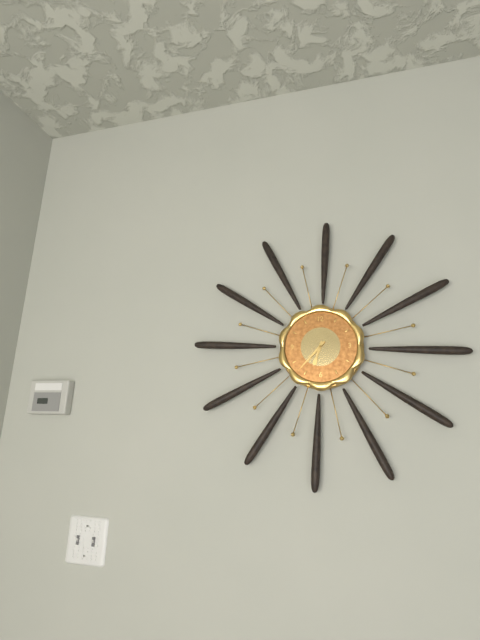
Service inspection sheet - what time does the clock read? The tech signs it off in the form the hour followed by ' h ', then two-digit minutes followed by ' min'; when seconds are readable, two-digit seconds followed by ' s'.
6 h 37 min
